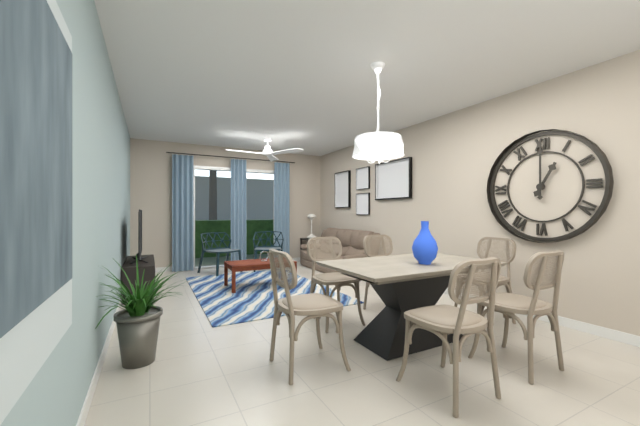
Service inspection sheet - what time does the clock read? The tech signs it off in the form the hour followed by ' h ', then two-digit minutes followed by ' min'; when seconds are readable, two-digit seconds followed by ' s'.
1 h 00 min
